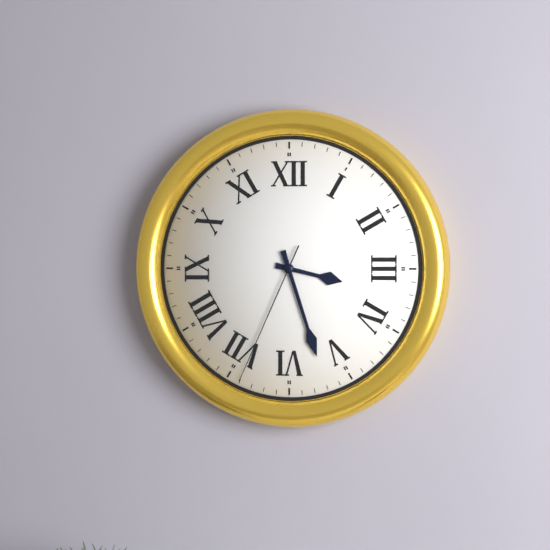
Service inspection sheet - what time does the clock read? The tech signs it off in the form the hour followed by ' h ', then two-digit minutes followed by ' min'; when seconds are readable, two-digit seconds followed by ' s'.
3 h 27 min 34 s
